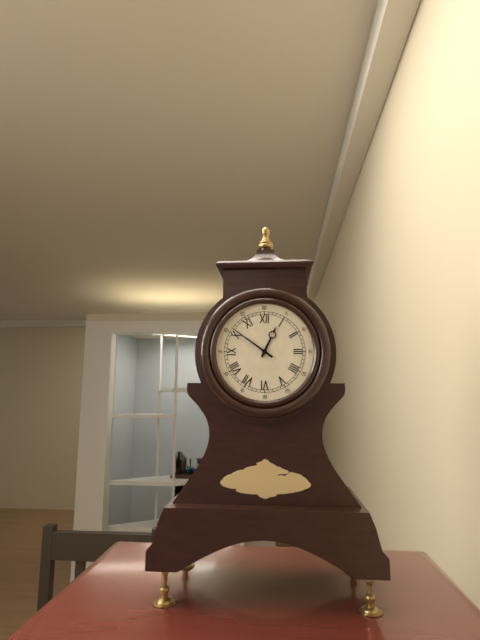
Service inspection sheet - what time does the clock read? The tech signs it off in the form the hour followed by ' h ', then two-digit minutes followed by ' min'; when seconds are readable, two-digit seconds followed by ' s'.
12 h 51 min
